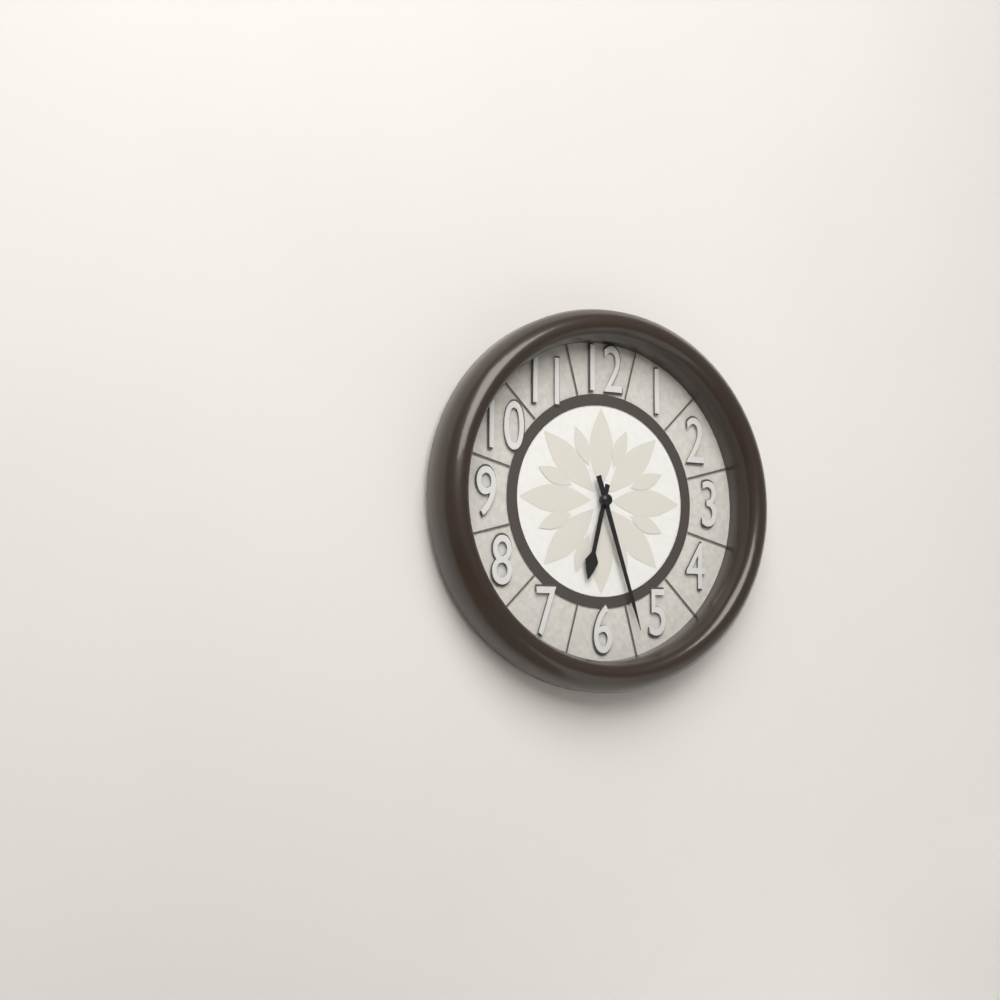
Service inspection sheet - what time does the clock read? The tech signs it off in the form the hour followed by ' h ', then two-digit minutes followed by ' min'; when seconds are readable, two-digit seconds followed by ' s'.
6 h 27 min
